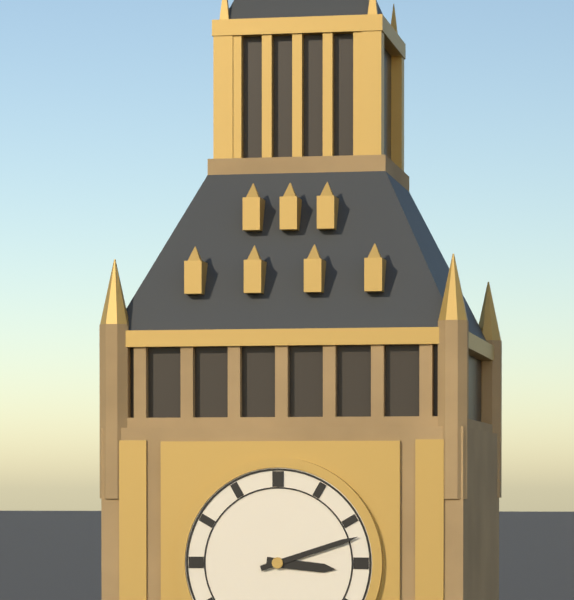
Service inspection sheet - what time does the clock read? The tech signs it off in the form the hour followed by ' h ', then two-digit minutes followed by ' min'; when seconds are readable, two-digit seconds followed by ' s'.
3 h 12 min
